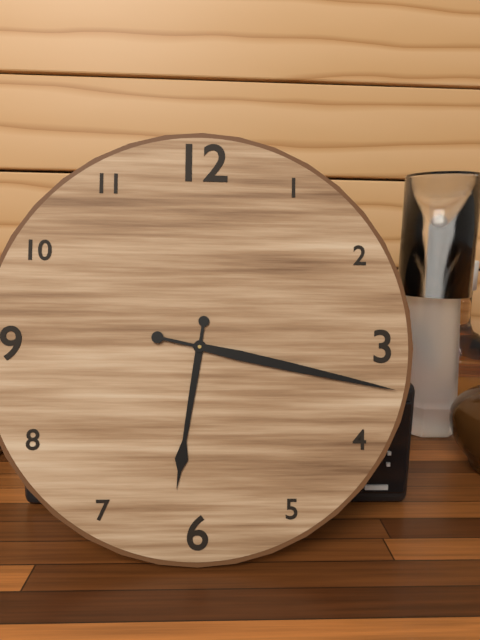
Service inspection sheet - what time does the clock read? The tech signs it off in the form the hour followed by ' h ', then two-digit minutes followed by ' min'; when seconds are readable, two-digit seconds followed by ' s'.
6 h 17 min
